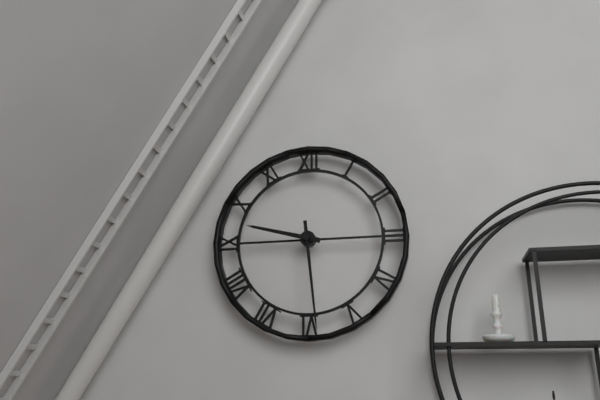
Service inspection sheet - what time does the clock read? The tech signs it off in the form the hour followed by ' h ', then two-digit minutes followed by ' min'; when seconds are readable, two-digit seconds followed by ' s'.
9 h 29 min
